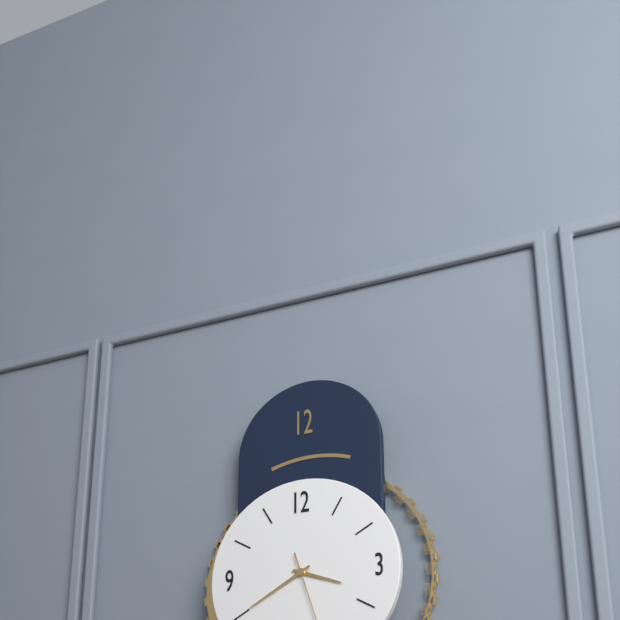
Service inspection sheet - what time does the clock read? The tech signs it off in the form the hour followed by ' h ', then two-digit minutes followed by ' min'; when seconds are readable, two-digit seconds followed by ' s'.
3 h 40 min
